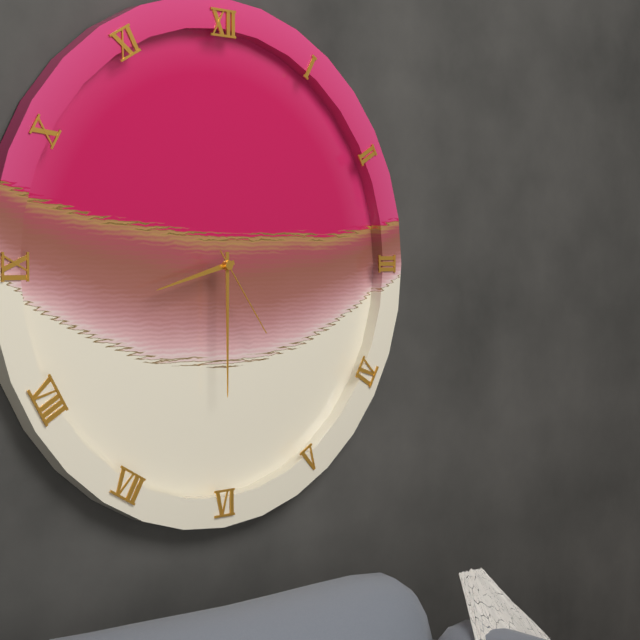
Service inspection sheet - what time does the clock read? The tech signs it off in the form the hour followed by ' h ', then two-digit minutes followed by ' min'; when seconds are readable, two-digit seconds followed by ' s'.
8 h 30 min 24 s
